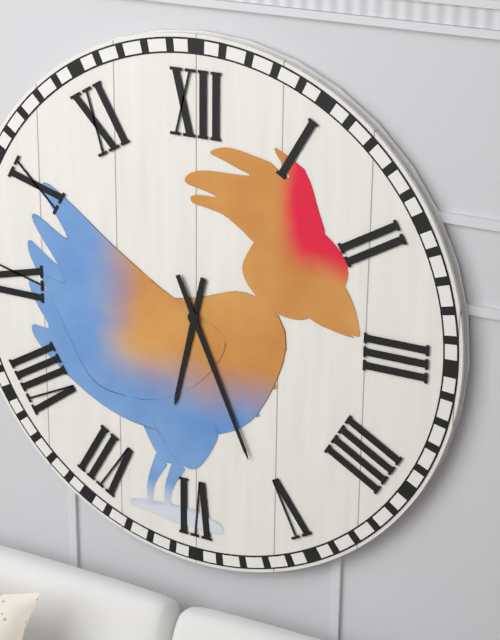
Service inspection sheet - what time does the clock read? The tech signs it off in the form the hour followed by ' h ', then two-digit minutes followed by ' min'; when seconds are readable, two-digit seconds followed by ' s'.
6 h 26 min
